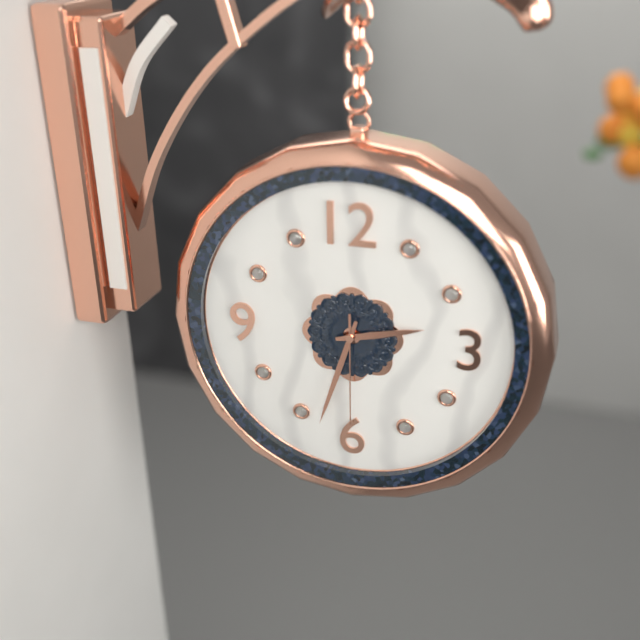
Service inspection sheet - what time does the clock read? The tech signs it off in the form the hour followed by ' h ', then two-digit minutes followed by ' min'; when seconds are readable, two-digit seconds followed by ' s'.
2 h 33 min 30 s
